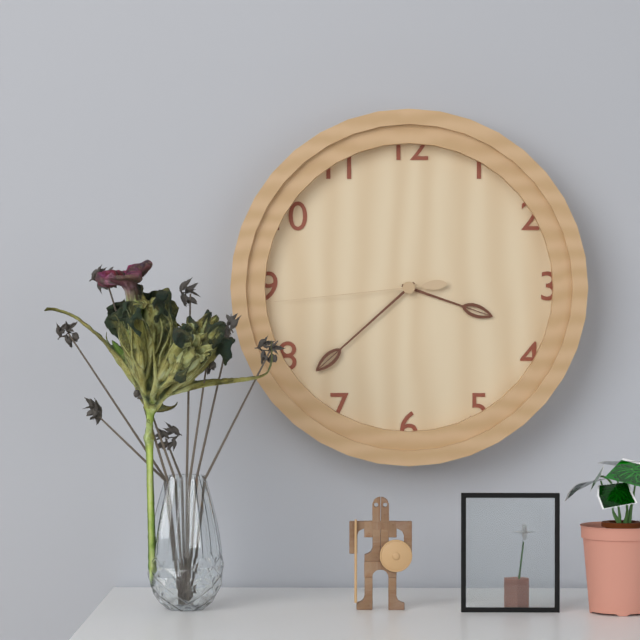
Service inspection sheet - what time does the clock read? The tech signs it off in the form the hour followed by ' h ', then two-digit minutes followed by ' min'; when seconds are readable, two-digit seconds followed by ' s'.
3 h 38 min 44 s
